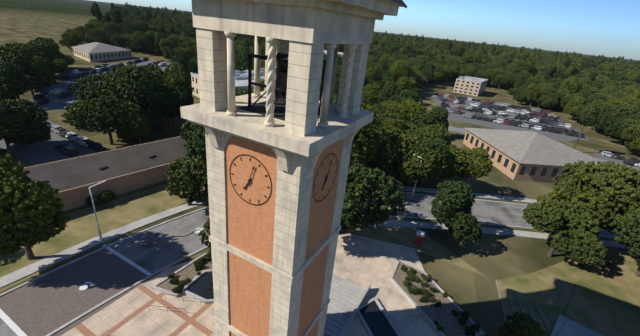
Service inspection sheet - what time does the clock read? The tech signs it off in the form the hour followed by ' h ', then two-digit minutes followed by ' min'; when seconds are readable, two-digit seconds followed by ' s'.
7 h 03 min
